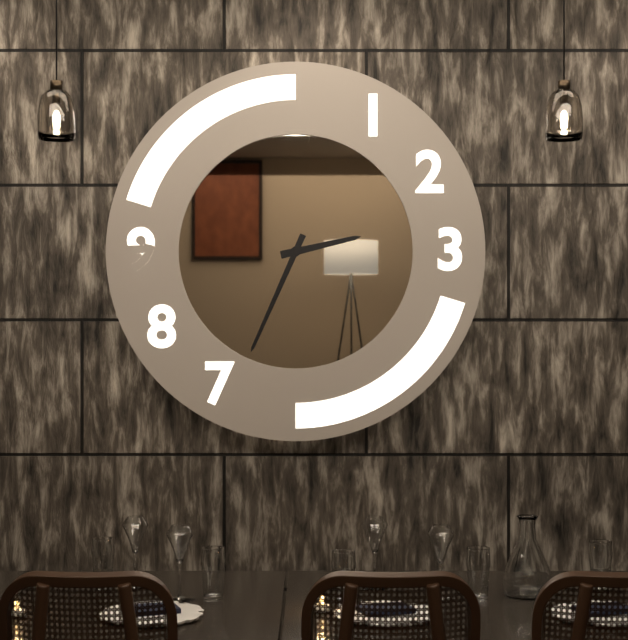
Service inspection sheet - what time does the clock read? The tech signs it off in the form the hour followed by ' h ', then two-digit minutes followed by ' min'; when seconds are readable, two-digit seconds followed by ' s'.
2 h 34 min
